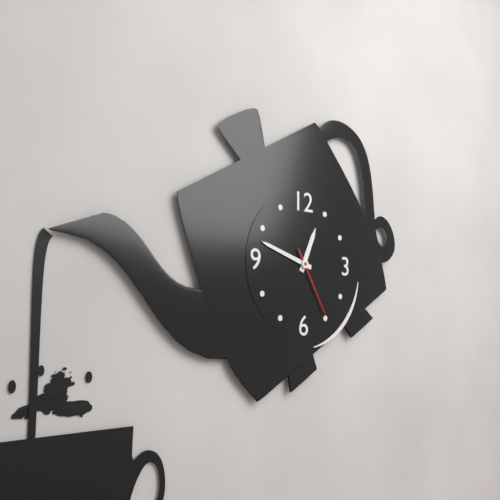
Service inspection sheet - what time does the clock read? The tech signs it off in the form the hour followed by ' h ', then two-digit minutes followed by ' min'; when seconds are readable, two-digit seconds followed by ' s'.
12 h 48 min 25 s
